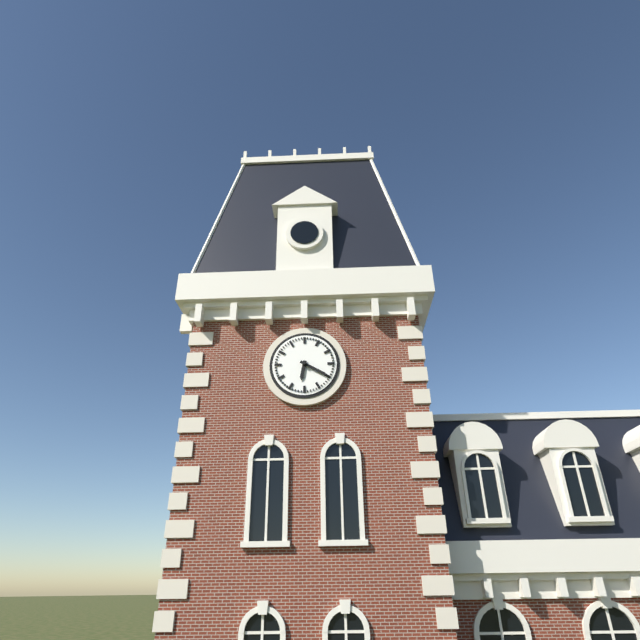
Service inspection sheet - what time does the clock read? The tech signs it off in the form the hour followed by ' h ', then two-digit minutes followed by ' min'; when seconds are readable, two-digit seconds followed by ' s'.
6 h 20 min
